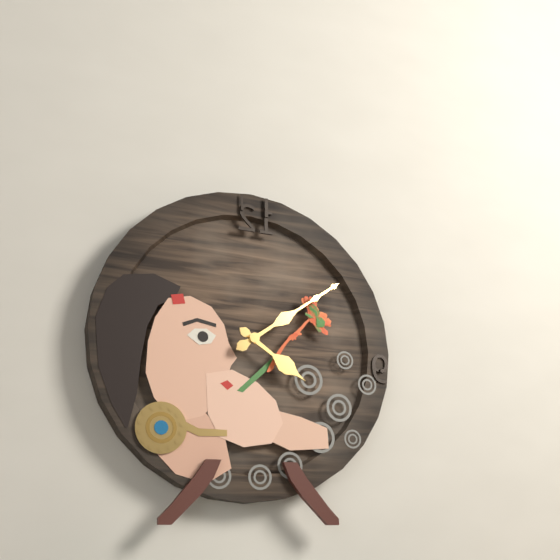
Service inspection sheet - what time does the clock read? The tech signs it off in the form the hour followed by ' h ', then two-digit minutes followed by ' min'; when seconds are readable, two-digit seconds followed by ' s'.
4 h 09 min
